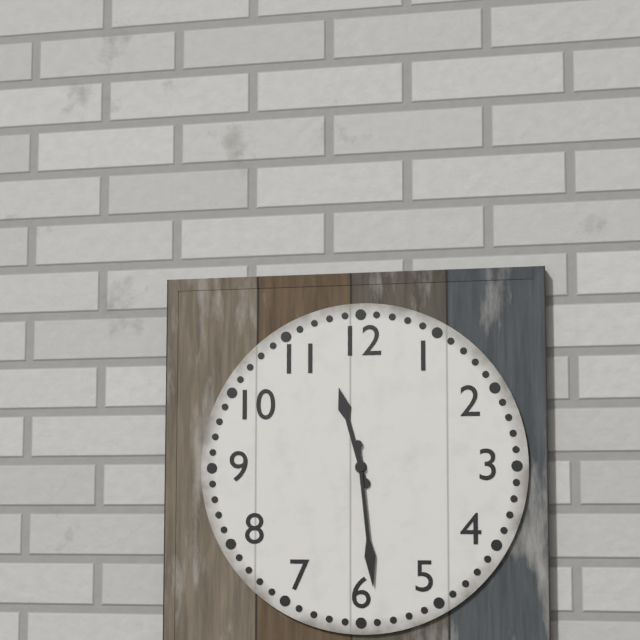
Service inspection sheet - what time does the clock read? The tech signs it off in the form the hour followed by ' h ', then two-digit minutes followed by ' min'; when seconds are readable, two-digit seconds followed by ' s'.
11 h 29 min
